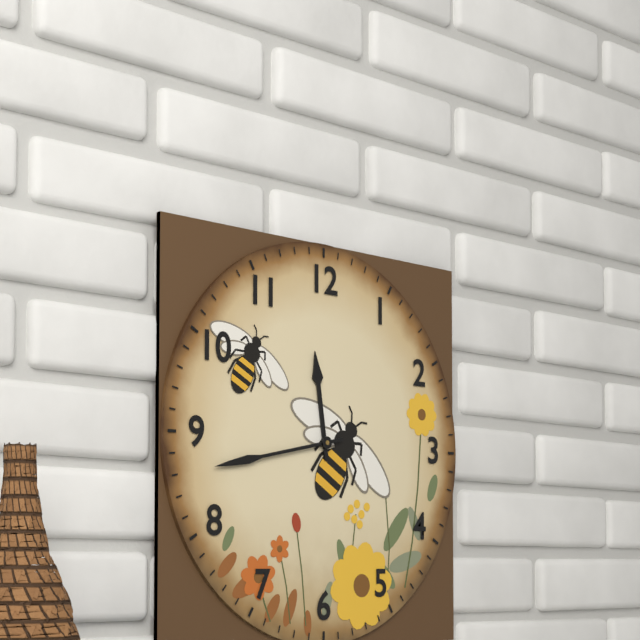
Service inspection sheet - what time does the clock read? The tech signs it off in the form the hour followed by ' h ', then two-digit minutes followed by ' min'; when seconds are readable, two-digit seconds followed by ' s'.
11 h 43 min
